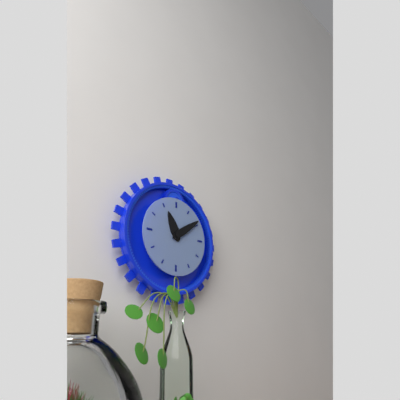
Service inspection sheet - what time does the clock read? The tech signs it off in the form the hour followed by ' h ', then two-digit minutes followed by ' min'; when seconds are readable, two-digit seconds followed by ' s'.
11 h 09 min
